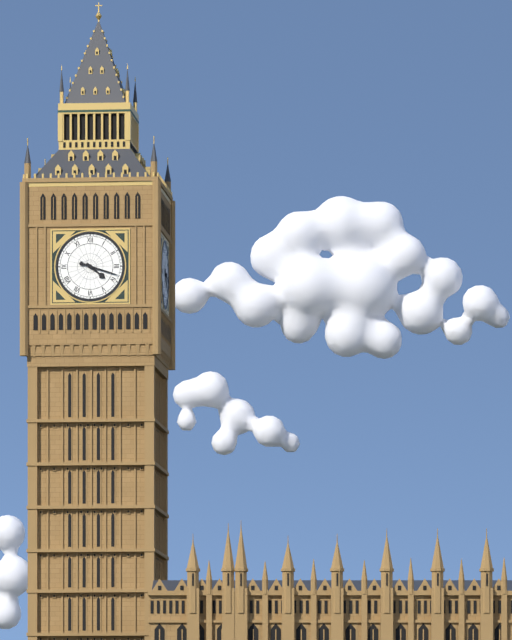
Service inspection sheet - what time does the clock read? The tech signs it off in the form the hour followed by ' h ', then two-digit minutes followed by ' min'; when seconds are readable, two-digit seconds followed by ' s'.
4 h 18 min
